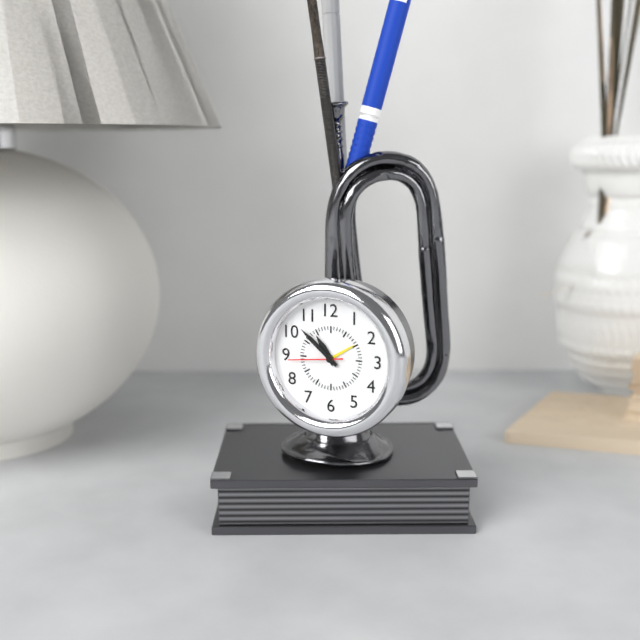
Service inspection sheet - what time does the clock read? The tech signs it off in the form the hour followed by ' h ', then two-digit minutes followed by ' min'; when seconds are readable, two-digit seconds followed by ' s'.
10 h 52 min 44 s
